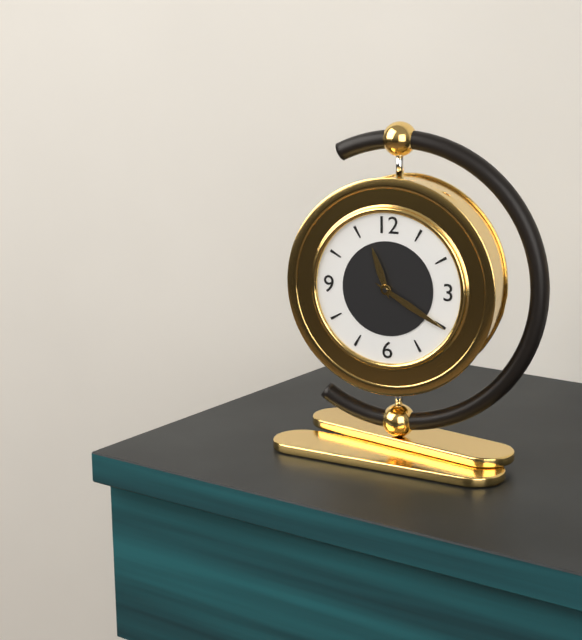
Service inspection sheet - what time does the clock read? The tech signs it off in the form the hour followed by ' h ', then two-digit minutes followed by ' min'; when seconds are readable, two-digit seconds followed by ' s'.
11 h 20 min
